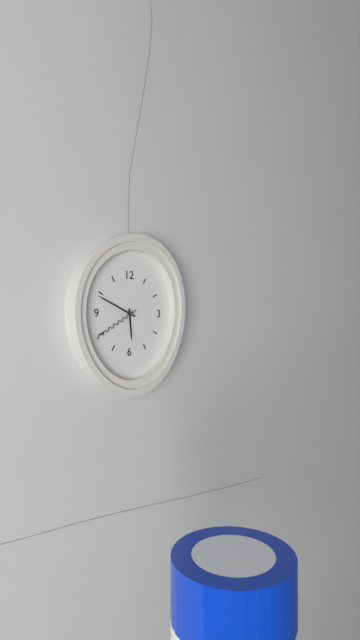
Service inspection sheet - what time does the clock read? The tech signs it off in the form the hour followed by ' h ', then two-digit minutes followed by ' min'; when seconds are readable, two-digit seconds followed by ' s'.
5 h 49 min 40 s
